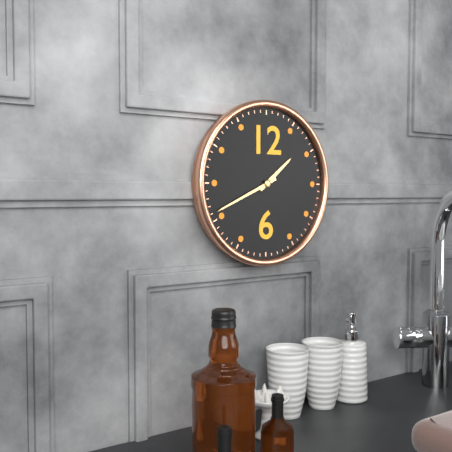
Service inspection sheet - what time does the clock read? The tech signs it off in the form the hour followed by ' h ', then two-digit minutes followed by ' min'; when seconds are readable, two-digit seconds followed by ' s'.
1 h 41 min
